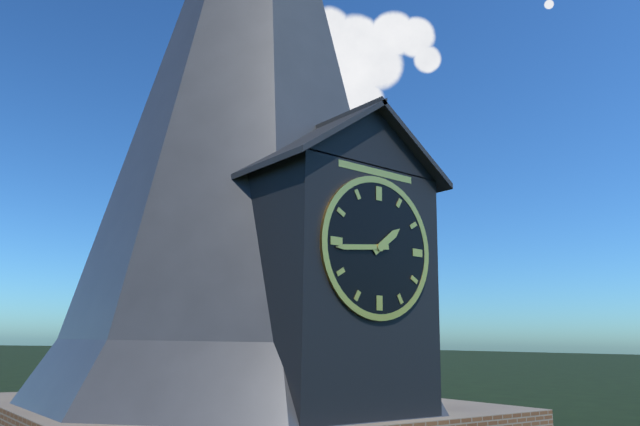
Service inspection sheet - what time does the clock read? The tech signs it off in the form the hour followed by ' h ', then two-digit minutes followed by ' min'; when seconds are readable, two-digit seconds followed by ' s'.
1 h 44 min
